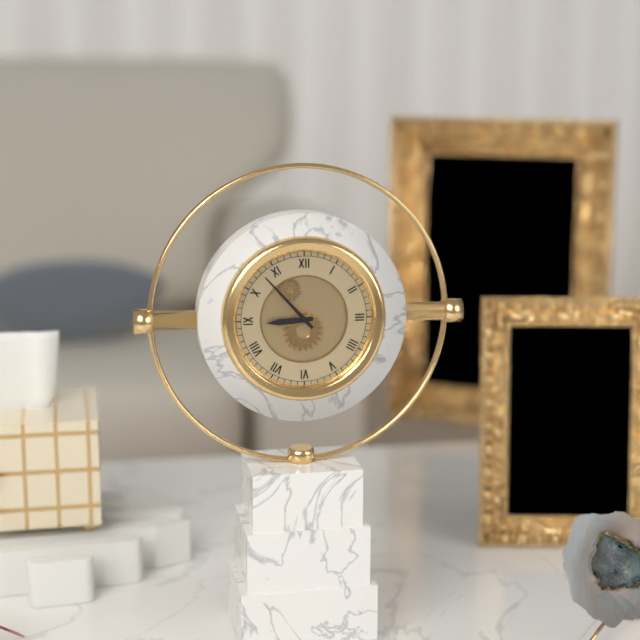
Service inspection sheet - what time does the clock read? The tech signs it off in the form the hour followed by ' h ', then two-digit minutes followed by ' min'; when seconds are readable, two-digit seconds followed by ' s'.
8 h 53 min
